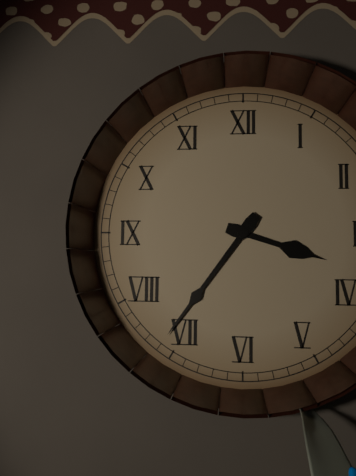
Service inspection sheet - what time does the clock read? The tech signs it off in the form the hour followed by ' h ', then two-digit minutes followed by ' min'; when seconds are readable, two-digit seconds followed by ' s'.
3 h 36 min
